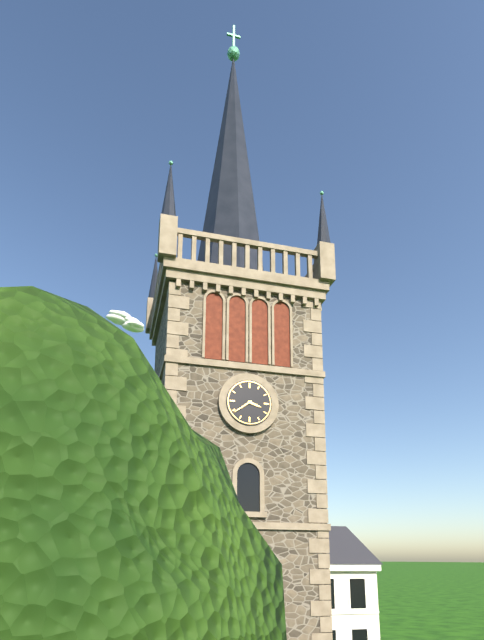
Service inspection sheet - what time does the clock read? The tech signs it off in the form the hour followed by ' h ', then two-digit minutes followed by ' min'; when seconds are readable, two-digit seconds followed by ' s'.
3 h 39 min
